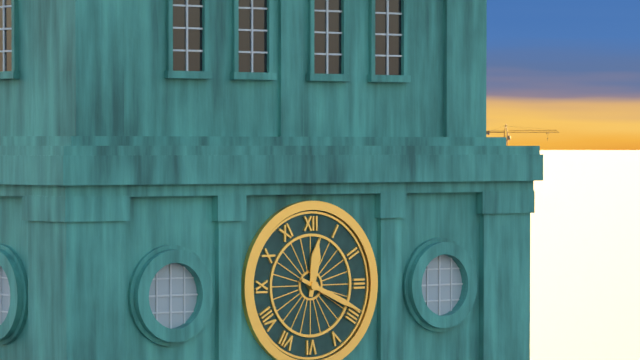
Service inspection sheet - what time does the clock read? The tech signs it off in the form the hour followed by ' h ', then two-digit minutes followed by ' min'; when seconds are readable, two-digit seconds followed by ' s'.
12 h 19 min
